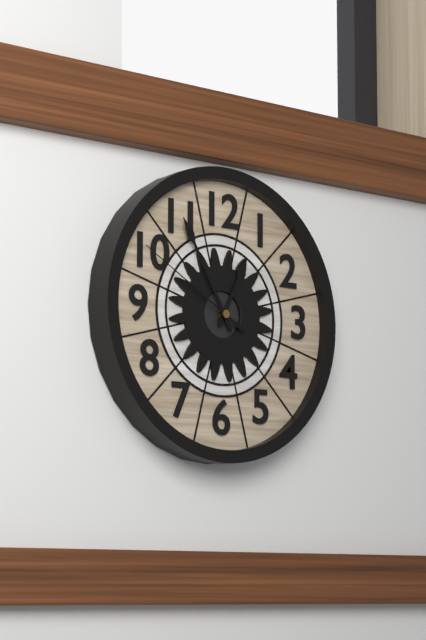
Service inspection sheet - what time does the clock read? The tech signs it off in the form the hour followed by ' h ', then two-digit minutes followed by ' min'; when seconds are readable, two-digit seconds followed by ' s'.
12 h 55 min 50 s
